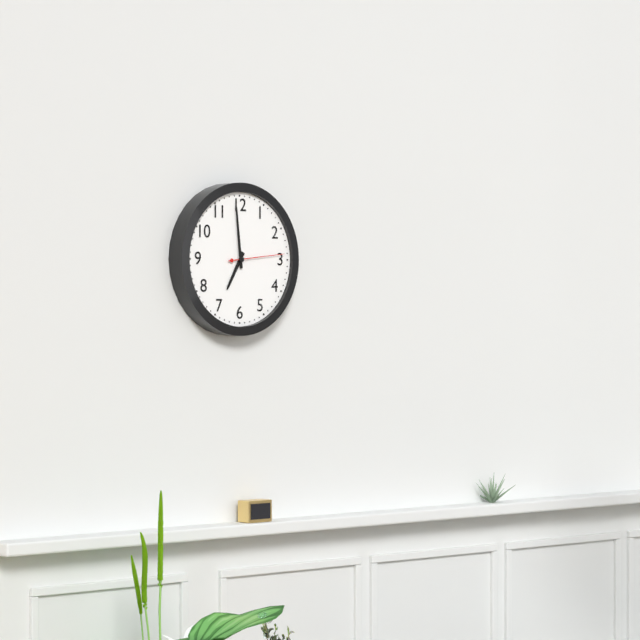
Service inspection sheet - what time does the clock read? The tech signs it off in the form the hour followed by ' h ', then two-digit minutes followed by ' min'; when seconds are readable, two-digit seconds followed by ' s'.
6 h 59 min 14 s
